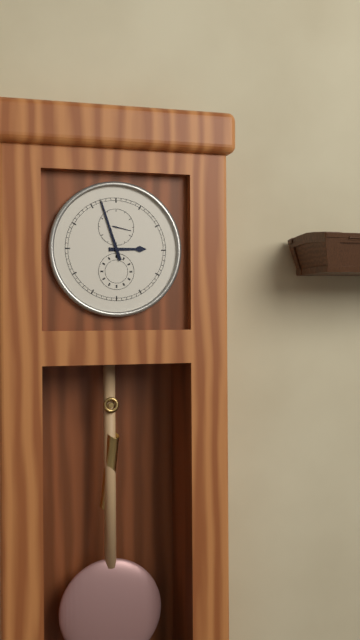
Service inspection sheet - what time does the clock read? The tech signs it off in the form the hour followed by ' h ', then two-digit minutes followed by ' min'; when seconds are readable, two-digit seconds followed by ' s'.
2 h 57 min
